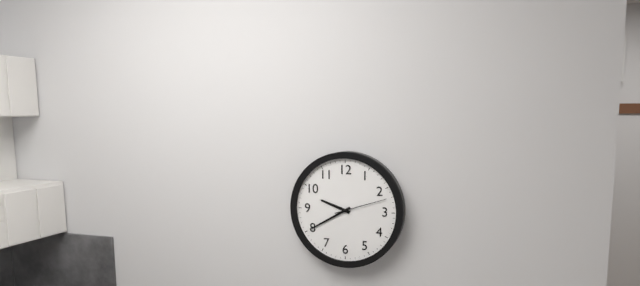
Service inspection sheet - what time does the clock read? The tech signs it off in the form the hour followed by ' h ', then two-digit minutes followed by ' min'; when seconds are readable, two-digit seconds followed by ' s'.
9 h 40 min 12 s
